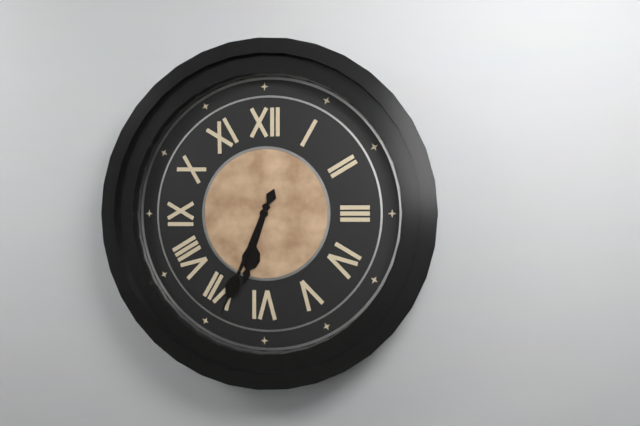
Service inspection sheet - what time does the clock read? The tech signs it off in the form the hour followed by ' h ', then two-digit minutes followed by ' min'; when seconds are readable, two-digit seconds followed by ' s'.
6 h 34 min
